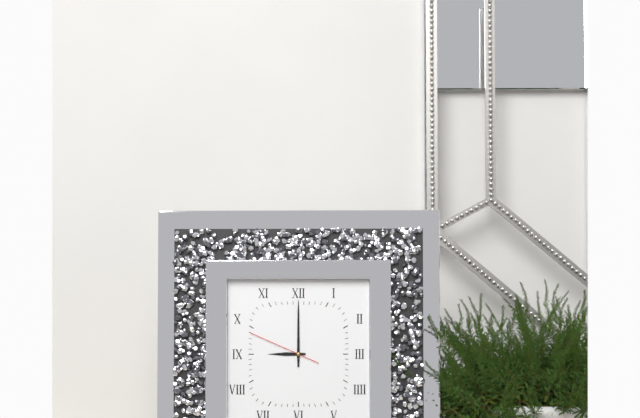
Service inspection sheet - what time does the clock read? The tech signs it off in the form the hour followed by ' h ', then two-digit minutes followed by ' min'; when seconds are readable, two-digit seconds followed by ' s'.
9 h 00 min 49 s
